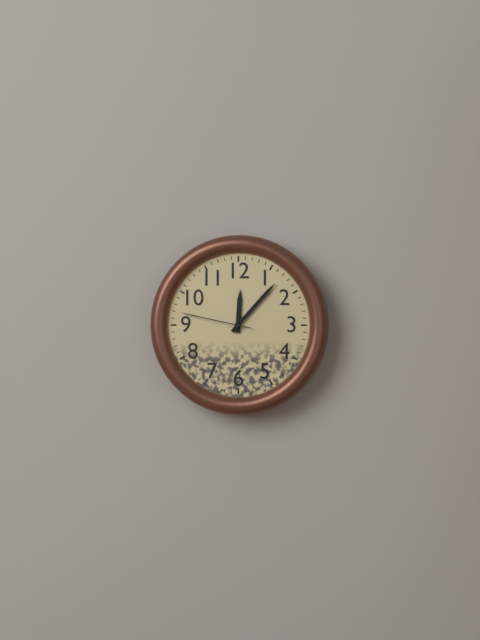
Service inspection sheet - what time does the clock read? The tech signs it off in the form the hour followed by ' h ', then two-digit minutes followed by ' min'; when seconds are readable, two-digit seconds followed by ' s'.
12 h 07 min 47 s
